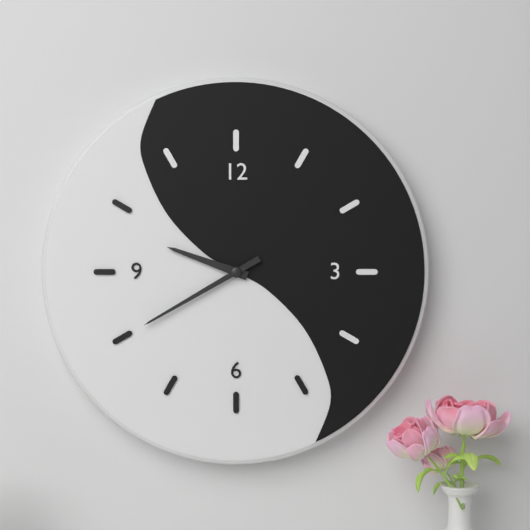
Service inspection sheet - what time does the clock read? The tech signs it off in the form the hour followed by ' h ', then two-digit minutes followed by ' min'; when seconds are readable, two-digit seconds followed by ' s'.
9 h 40 min
